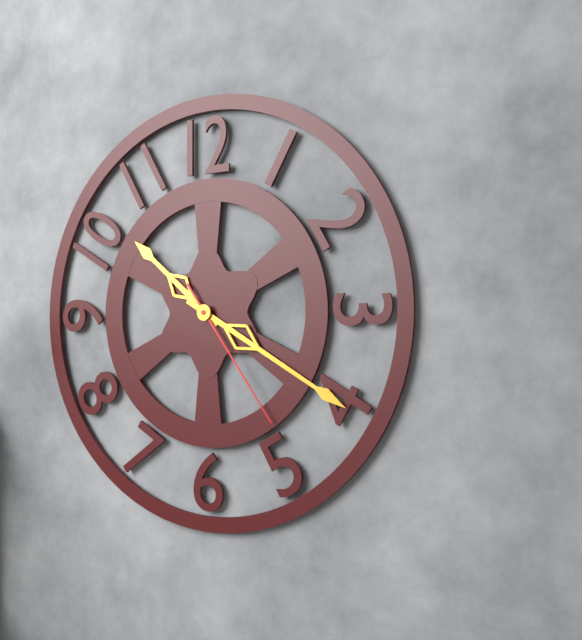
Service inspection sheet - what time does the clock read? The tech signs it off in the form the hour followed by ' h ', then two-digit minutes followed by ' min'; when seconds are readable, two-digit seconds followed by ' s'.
10 h 20 min 24 s
